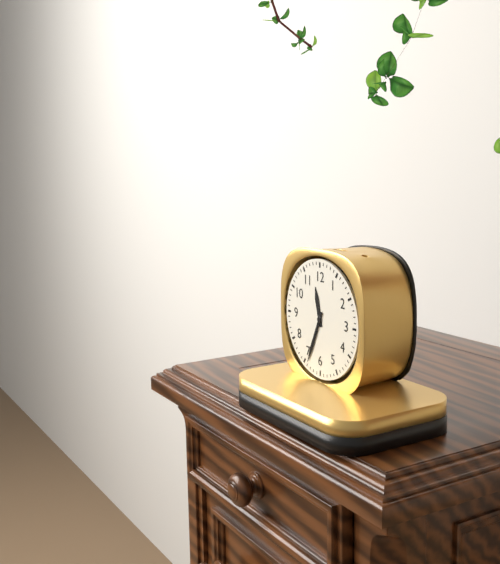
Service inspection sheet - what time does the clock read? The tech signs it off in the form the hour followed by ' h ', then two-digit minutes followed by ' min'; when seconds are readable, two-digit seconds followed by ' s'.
11 h 34 min
